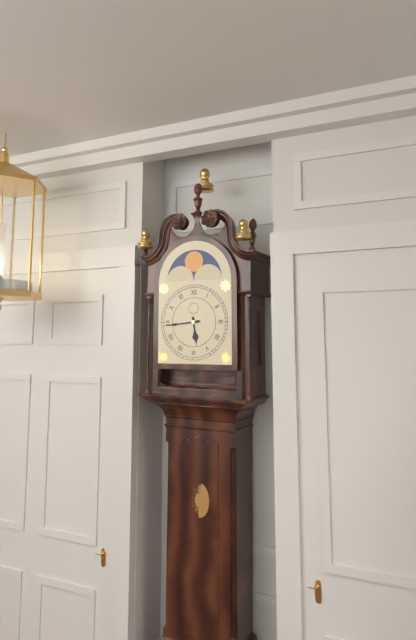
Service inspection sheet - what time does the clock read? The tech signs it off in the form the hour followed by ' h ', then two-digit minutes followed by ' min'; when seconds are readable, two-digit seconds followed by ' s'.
5 h 44 min
